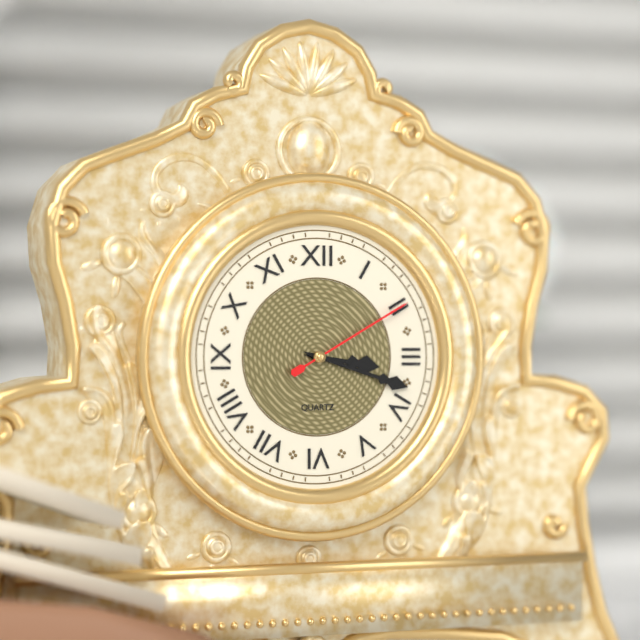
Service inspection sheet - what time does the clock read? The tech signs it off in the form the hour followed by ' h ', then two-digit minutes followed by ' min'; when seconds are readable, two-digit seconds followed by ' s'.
3 h 18 min 10 s
